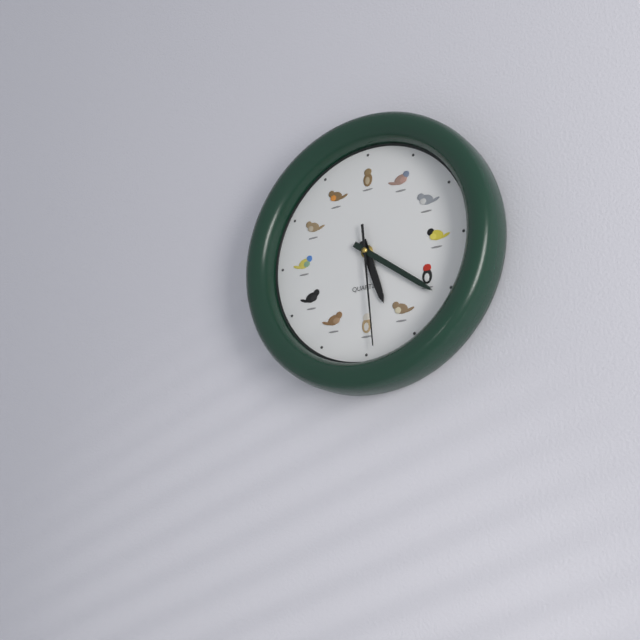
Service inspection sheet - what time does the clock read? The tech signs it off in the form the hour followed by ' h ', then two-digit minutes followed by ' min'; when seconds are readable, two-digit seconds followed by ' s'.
5 h 21 min 29 s
